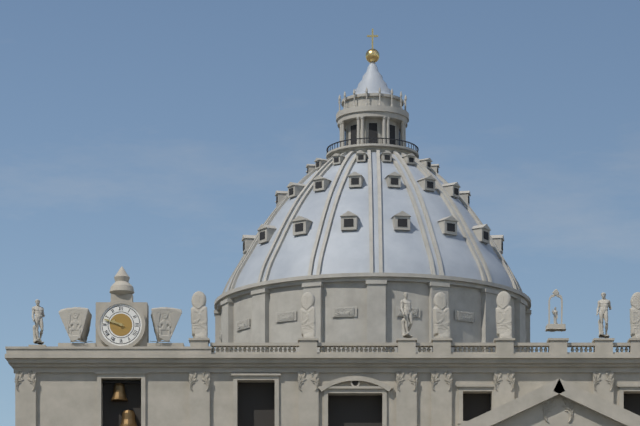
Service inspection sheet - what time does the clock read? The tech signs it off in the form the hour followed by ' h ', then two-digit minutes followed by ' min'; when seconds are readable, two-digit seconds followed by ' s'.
9 h 48 min
